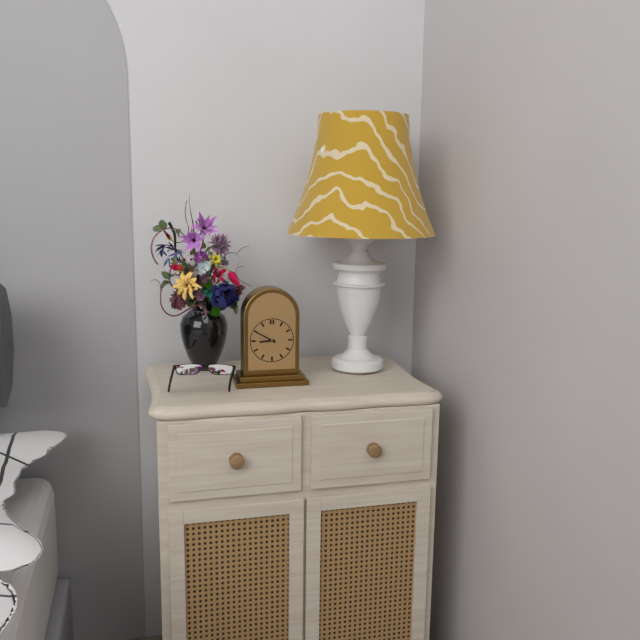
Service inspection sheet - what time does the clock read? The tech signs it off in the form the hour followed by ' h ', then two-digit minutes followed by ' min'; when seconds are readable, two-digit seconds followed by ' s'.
8 h 50 min
